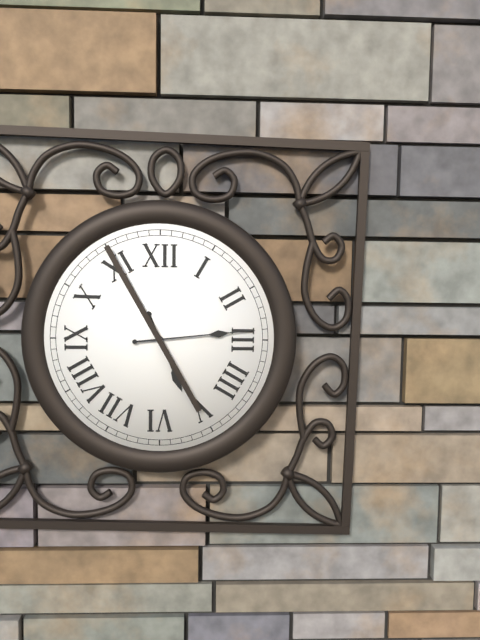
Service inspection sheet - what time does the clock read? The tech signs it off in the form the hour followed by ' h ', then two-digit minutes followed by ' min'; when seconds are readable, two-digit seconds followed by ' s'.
5 h 14 min
